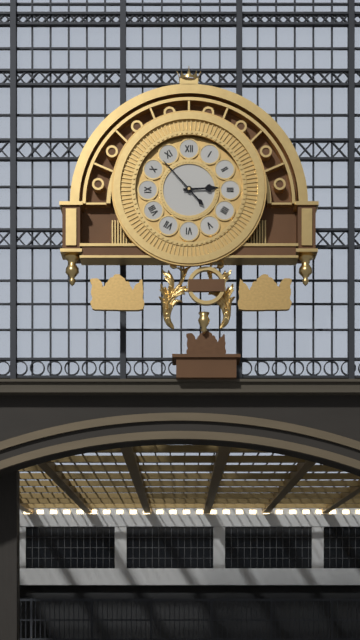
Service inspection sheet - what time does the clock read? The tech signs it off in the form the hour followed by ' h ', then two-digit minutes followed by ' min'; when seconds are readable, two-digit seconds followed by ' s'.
2 h 53 min
